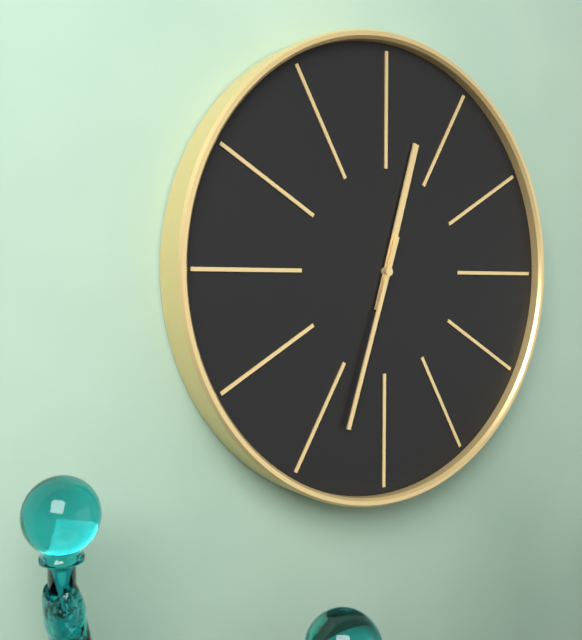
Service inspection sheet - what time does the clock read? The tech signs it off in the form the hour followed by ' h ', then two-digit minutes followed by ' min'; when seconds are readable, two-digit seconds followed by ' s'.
12 h 33 min
